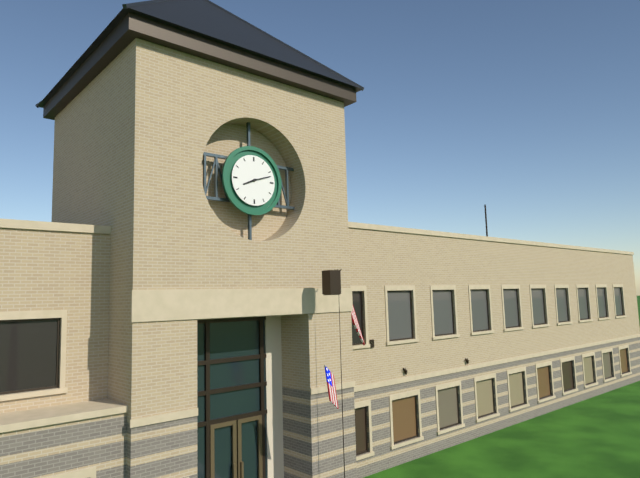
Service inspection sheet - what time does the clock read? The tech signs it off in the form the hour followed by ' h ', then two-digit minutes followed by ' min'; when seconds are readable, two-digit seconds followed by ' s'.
8 h 12 min
